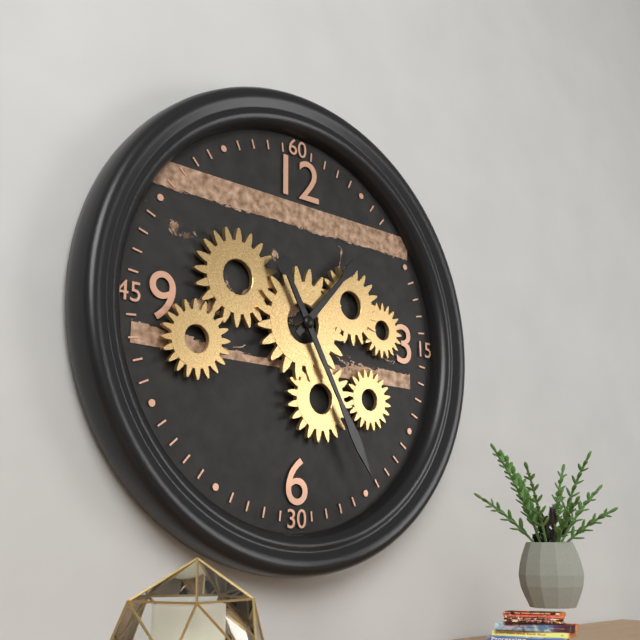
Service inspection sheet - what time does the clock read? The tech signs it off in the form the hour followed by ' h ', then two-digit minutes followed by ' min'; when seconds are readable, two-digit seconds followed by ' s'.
1 h 25 min
